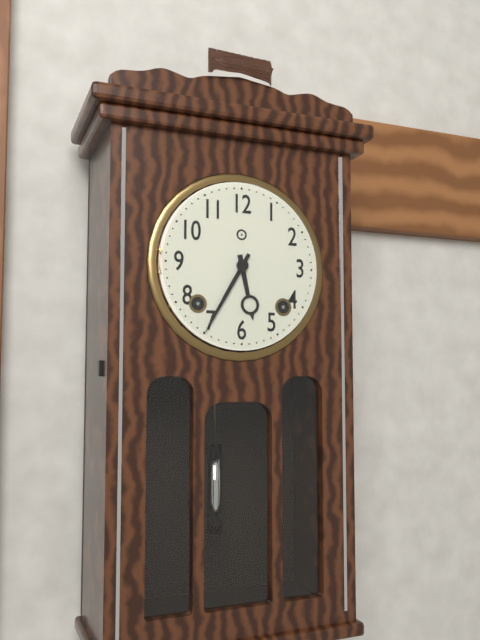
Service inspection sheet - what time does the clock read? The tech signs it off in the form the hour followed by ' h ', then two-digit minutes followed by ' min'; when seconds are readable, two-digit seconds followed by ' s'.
5 h 35 min
